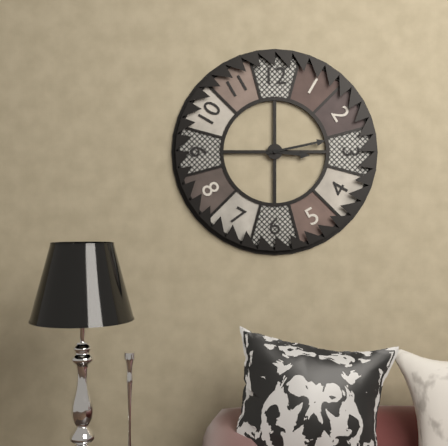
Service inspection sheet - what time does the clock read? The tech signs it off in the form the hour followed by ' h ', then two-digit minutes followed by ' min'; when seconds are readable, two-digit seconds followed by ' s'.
3 h 13 min
